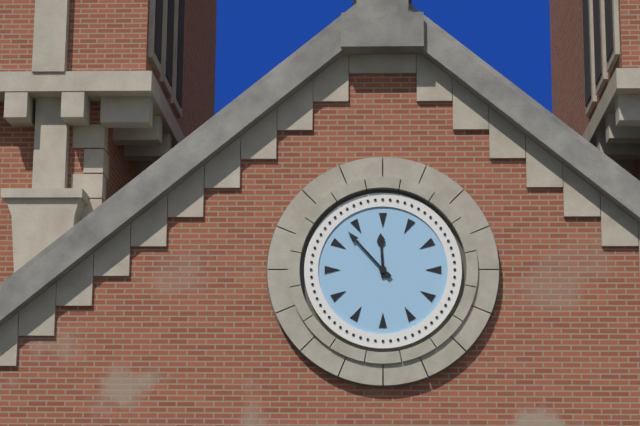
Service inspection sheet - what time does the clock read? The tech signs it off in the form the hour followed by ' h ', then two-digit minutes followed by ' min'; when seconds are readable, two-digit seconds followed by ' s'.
11 h 53 min
